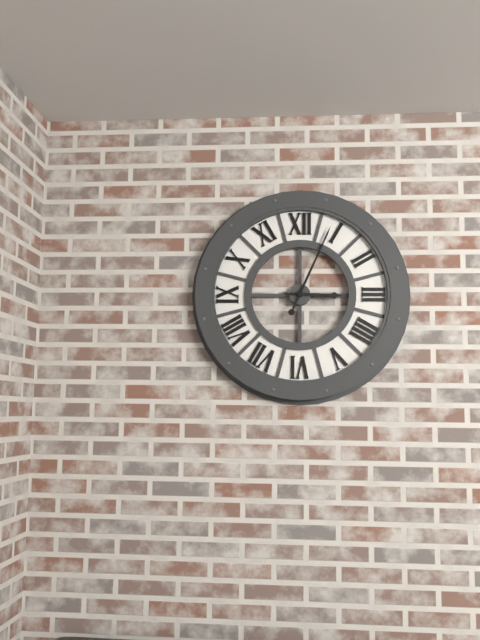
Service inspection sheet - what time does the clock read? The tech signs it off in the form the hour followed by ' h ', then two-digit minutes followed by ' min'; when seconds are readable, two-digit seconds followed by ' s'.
3 h 04 min
